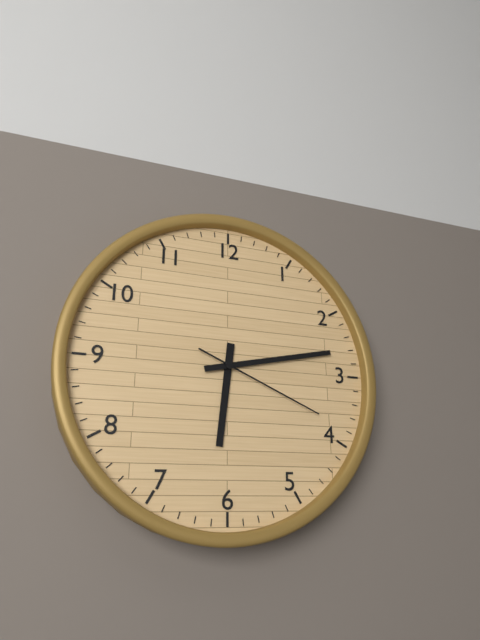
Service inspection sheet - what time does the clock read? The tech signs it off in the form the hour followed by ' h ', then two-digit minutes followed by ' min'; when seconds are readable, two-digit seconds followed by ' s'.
6 h 13 min 19 s
